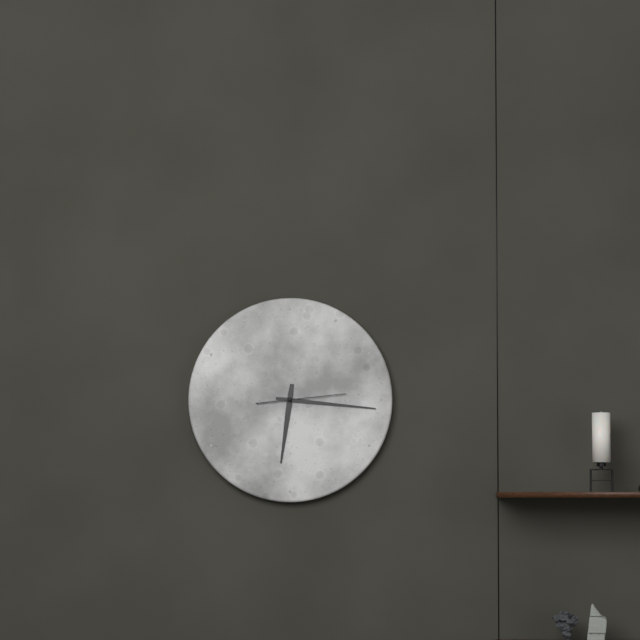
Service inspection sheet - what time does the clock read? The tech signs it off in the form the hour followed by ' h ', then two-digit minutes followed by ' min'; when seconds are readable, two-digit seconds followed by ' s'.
6 h 16 min 14 s
